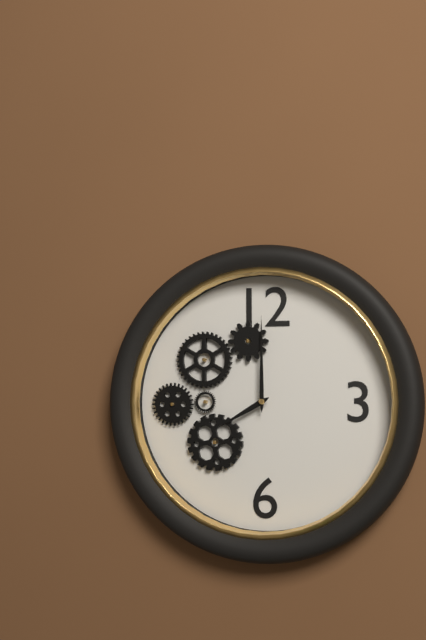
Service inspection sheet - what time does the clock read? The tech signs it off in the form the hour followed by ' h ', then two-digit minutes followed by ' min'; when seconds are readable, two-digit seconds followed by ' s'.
8 h 00 min
